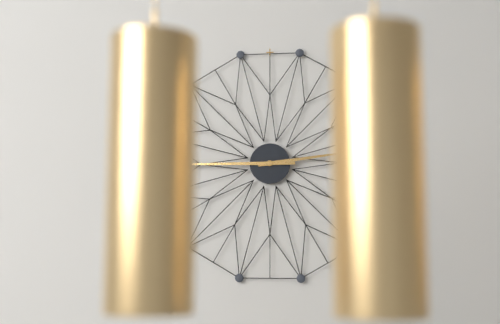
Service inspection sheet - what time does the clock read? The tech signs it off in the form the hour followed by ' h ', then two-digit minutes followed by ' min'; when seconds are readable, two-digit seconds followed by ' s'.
2 h 45 min
